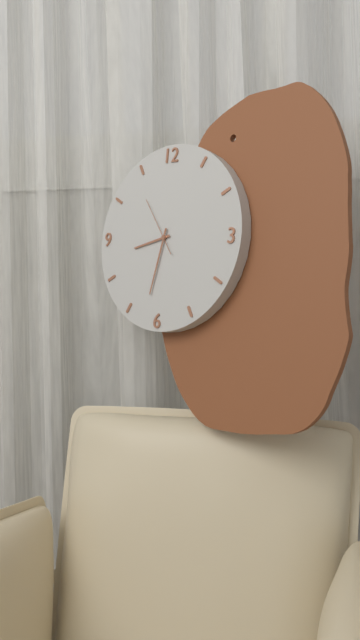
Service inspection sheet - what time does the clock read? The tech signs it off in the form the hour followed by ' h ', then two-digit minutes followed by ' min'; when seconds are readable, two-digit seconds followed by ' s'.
8 h 32 min 54 s
